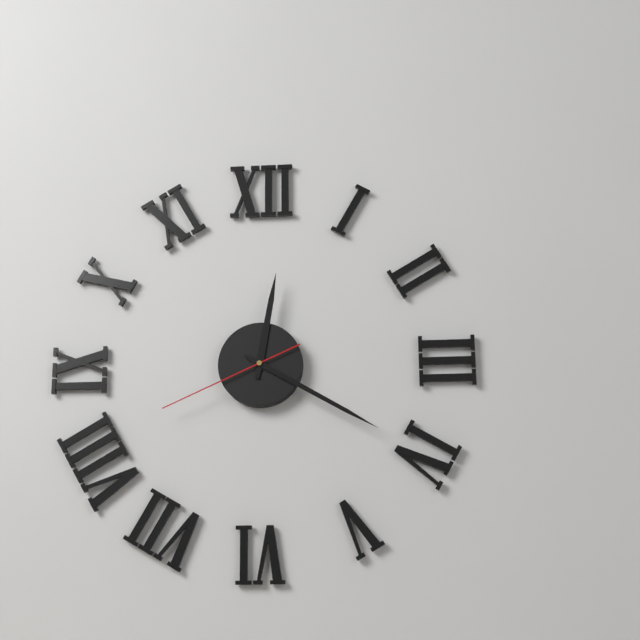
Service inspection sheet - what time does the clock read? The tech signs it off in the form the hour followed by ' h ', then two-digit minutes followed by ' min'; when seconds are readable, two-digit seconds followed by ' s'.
12 h 20 min 41 s
